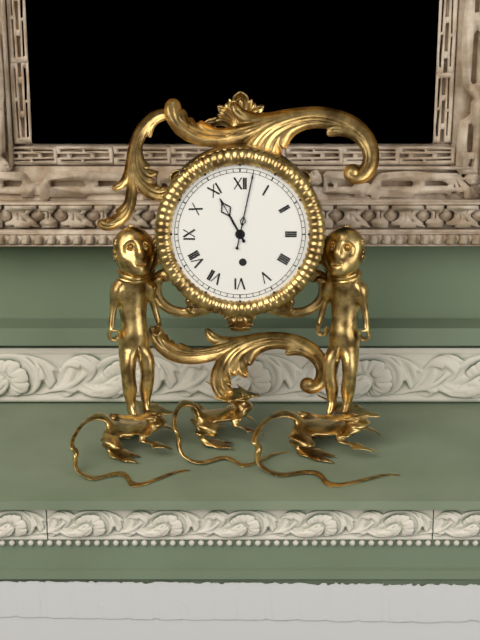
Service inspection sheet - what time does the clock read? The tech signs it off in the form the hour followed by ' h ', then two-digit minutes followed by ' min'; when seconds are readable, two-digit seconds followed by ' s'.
11 h 02 min
